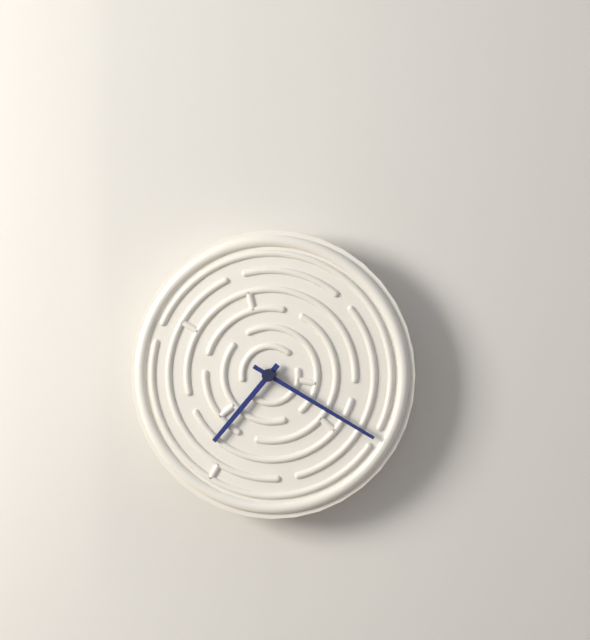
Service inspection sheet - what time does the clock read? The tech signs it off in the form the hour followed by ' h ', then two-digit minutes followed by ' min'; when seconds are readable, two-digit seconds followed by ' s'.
7 h 20 min
